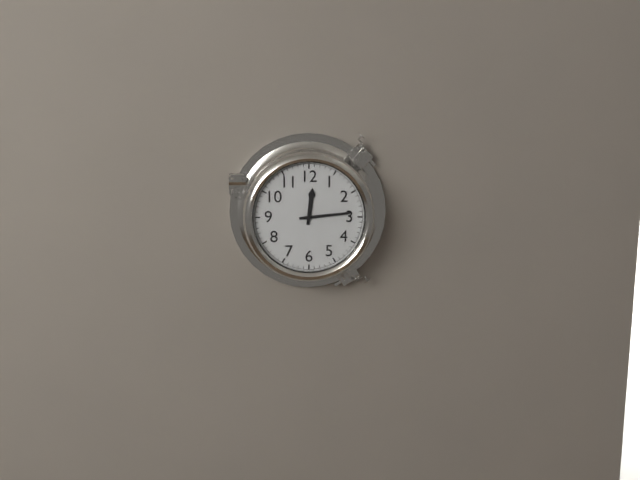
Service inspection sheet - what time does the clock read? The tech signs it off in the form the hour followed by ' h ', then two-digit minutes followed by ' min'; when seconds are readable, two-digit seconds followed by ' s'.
12 h 14 min
